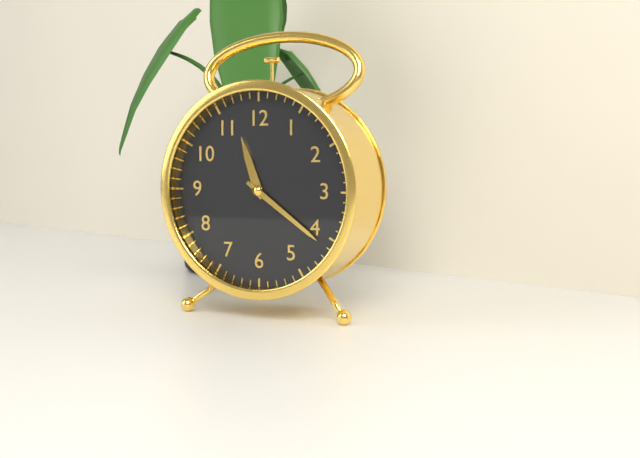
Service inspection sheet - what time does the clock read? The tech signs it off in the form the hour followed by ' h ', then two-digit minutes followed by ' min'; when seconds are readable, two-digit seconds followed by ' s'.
11 h 21 min
